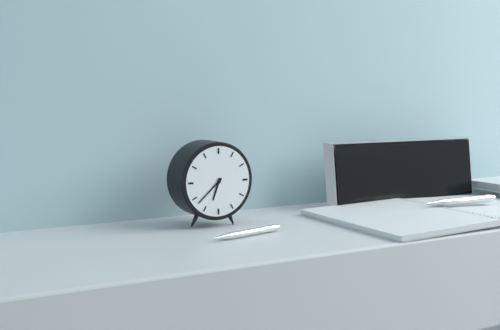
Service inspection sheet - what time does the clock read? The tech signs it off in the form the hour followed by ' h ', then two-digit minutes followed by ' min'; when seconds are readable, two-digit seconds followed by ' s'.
6 h 38 min
